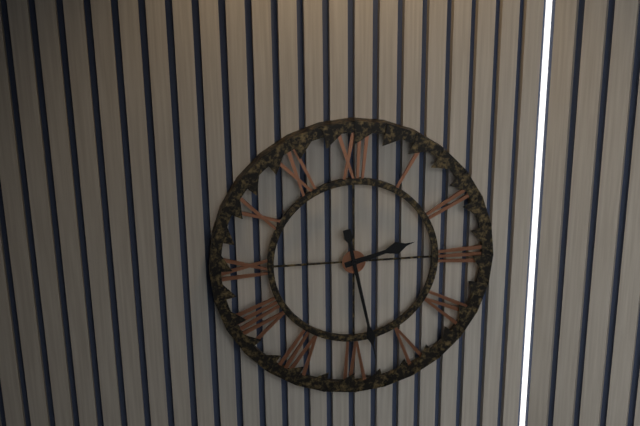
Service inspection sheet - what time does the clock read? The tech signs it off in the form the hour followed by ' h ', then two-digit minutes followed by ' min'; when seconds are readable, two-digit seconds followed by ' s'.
2 h 28 min
